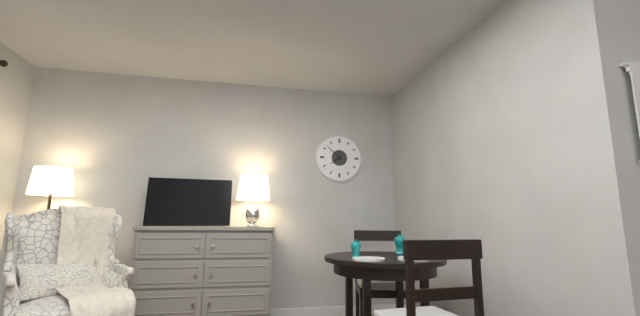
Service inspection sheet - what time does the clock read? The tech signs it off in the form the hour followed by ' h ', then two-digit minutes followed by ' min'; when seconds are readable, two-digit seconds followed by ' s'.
7 h 52 min
